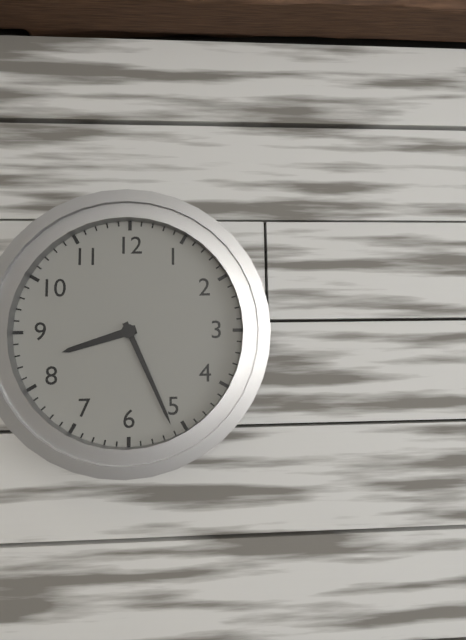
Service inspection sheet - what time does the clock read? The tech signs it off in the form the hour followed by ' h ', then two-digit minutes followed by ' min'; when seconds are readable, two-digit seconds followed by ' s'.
8 h 26 min
